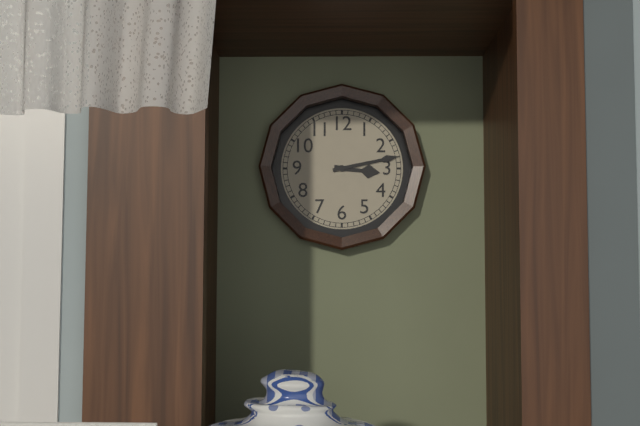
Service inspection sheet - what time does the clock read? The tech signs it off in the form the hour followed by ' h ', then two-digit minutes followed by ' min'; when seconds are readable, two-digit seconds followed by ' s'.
3 h 13 min
